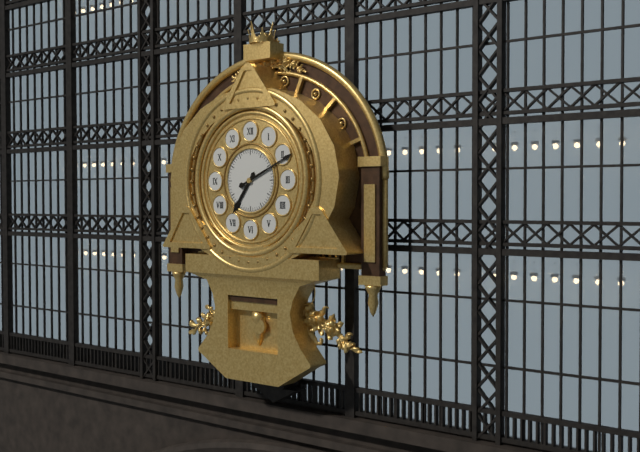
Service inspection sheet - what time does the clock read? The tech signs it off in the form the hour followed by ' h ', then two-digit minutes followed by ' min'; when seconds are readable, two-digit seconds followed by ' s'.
7 h 11 min
